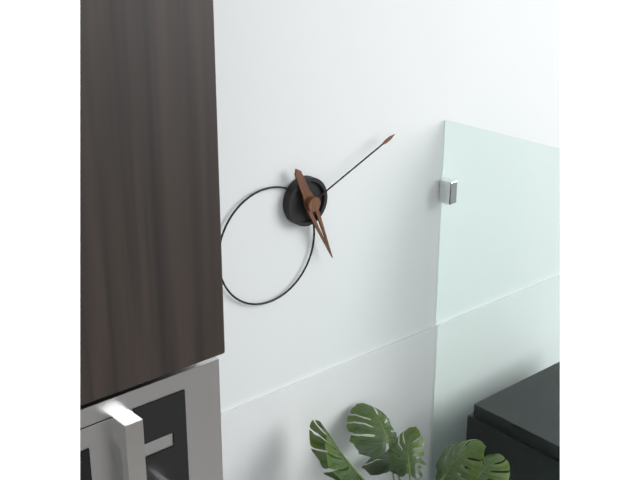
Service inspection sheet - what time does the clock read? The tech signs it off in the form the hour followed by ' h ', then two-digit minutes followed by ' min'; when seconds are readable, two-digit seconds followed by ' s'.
5 h 11 min
